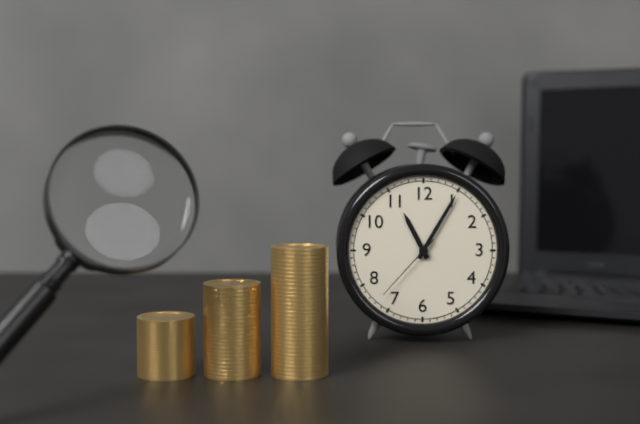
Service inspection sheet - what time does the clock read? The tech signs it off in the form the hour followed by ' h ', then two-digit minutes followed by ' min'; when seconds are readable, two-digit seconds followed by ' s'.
11 h 05 min 37 s
